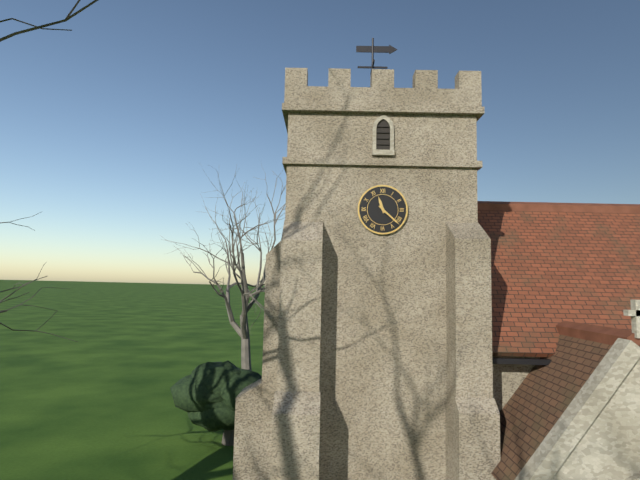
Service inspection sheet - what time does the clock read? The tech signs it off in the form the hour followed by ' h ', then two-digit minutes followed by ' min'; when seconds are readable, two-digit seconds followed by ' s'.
11 h 22 min
